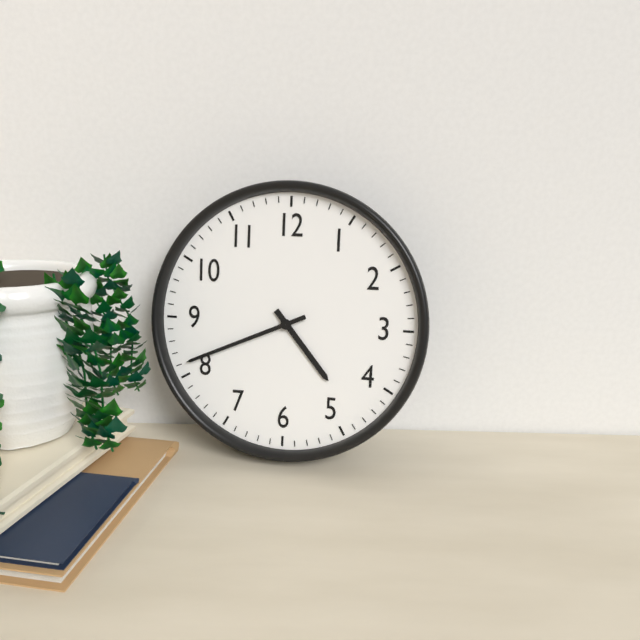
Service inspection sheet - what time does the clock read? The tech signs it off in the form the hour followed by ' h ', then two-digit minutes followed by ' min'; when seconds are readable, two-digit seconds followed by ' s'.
4 h 41 min
